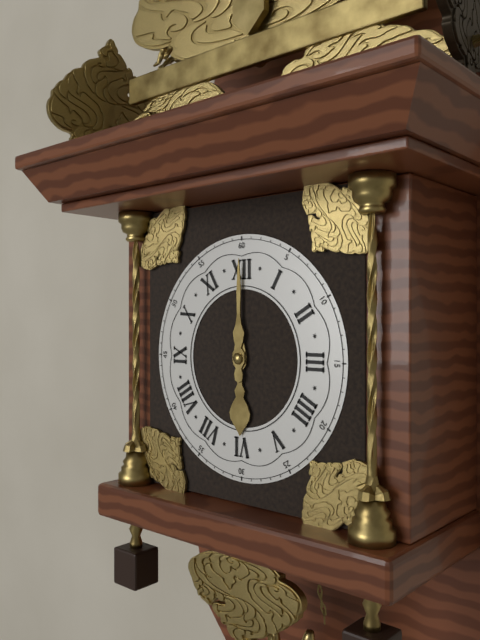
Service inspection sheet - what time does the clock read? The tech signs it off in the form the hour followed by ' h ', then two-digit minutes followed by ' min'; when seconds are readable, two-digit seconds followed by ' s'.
6 h 00 min
